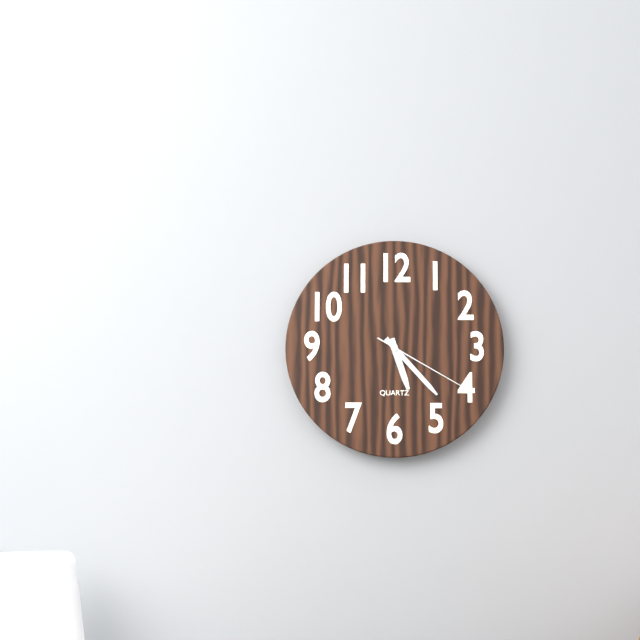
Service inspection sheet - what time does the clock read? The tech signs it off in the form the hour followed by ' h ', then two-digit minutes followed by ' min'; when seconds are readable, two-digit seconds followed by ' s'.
5 h 23 min 20 s
